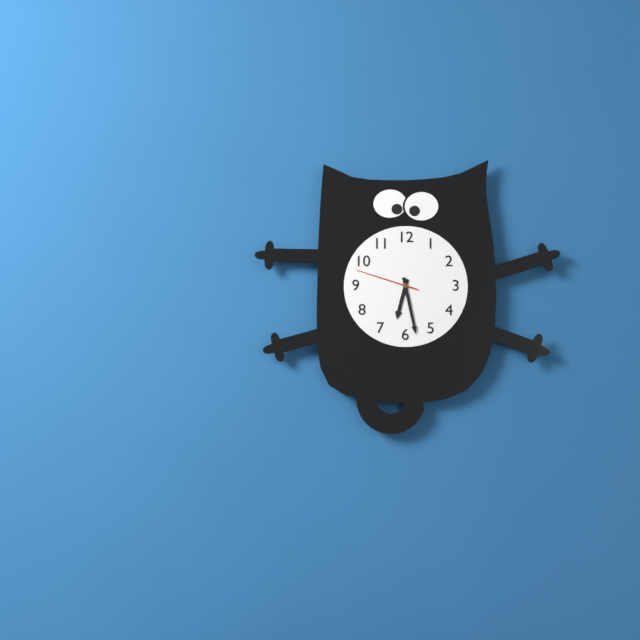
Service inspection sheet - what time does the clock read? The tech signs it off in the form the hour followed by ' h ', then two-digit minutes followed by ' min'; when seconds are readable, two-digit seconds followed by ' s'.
6 h 28 min 48 s
